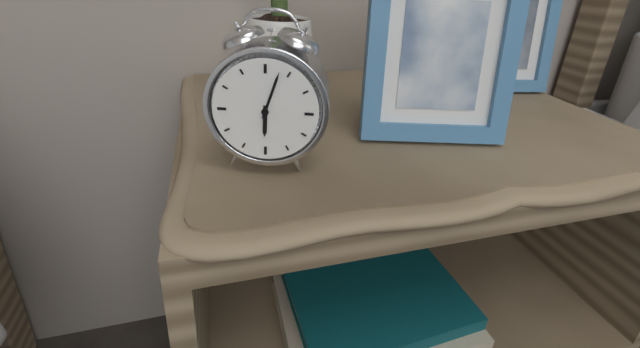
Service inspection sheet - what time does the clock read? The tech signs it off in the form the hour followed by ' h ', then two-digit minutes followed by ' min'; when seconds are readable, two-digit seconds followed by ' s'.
6 h 03 min
